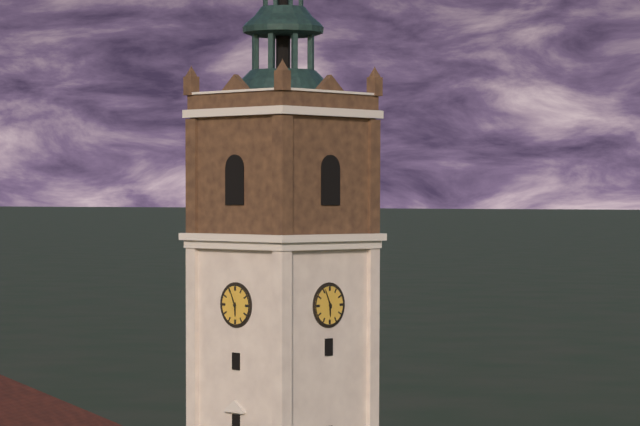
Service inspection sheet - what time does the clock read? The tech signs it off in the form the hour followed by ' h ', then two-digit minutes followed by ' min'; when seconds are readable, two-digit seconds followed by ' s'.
5 h 56 min
